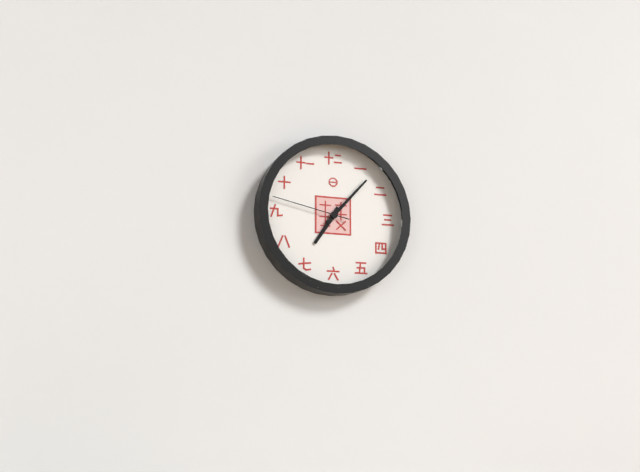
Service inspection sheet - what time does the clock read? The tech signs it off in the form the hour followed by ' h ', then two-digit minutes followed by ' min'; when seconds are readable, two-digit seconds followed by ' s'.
7 h 07 min 47 s
